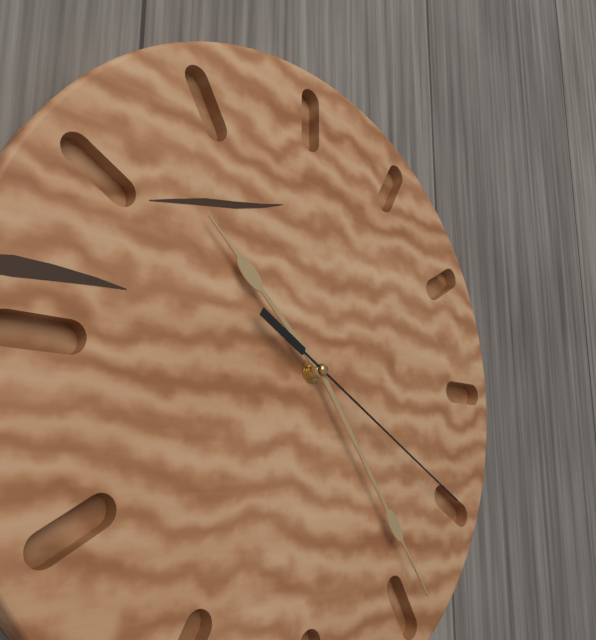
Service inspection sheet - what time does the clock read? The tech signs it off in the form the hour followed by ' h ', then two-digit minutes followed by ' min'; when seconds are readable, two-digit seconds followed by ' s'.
10 h 24 min 20 s
